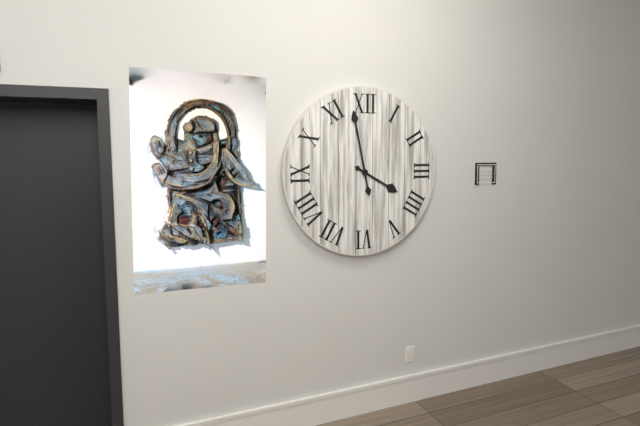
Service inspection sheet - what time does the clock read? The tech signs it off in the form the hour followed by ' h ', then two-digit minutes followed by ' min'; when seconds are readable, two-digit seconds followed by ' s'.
3 h 58 min
